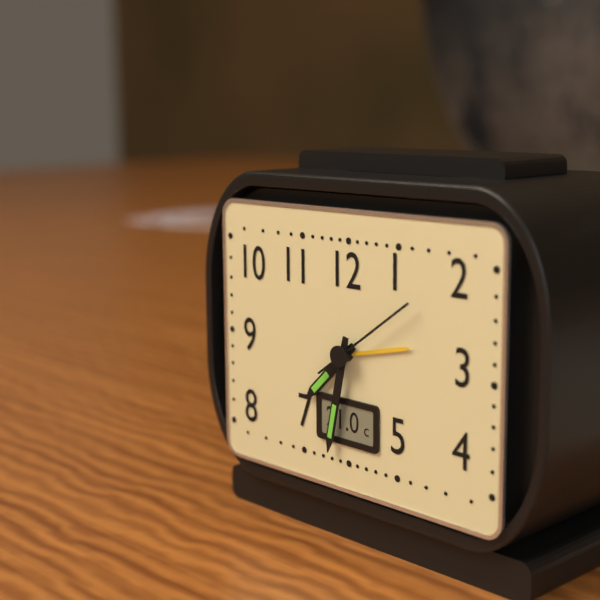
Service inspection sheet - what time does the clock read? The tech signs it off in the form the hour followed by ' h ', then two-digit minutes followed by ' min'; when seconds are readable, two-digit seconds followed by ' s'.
7 h 32 min 09 s
